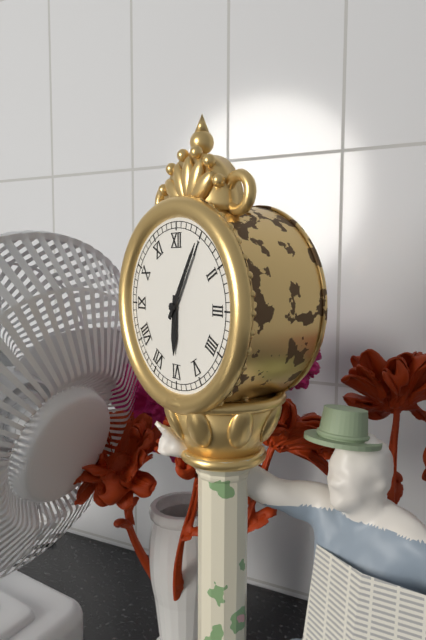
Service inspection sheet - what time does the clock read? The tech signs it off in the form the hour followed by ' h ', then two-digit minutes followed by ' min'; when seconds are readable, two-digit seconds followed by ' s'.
6 h 05 min
